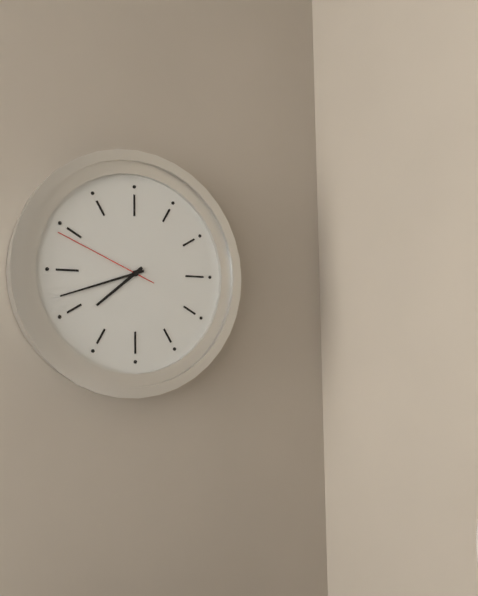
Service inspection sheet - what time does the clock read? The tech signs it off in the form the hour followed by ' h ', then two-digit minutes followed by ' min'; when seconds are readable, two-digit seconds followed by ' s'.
7 h 42 min 49 s
